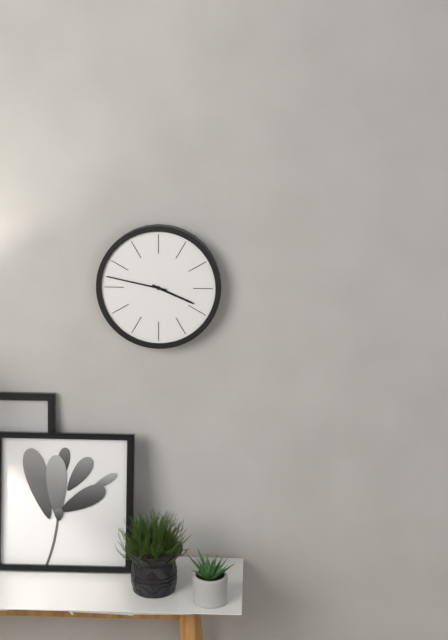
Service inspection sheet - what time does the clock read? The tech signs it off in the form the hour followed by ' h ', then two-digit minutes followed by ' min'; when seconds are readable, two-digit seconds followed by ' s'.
3 h 47 min
